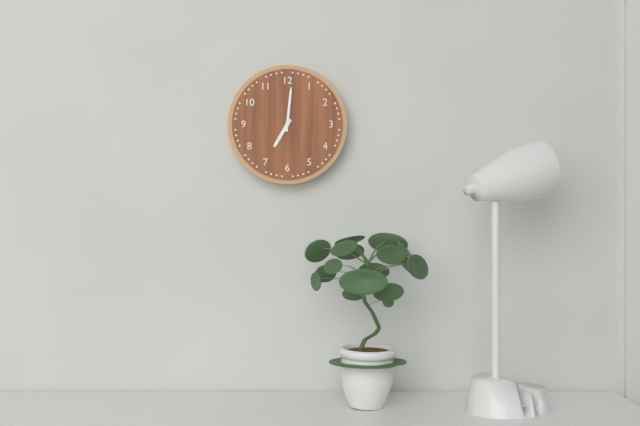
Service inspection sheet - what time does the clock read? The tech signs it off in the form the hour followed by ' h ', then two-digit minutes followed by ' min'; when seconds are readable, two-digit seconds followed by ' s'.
7 h 01 min
